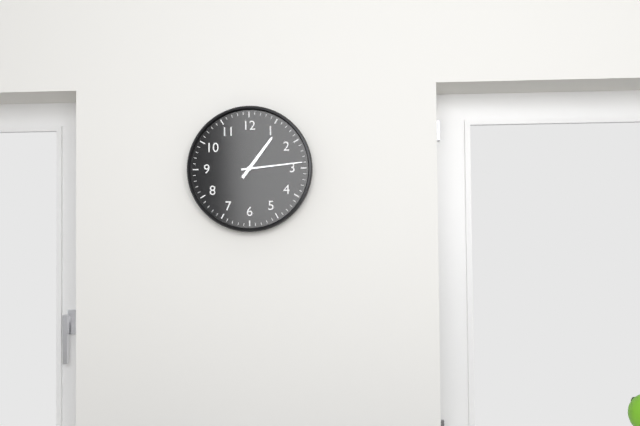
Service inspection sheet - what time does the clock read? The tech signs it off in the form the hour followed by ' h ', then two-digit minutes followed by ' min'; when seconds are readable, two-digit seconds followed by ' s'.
1 h 14 min
